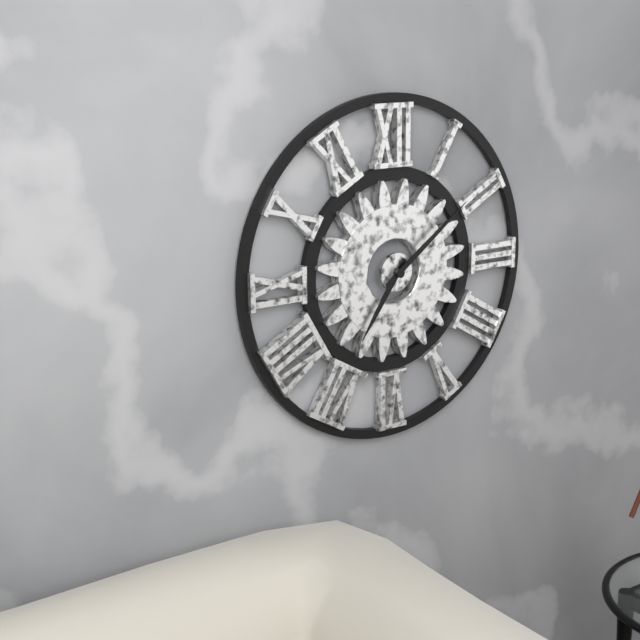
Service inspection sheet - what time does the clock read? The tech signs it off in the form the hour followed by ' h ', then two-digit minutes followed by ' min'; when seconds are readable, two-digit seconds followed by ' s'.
7 h 09 min
